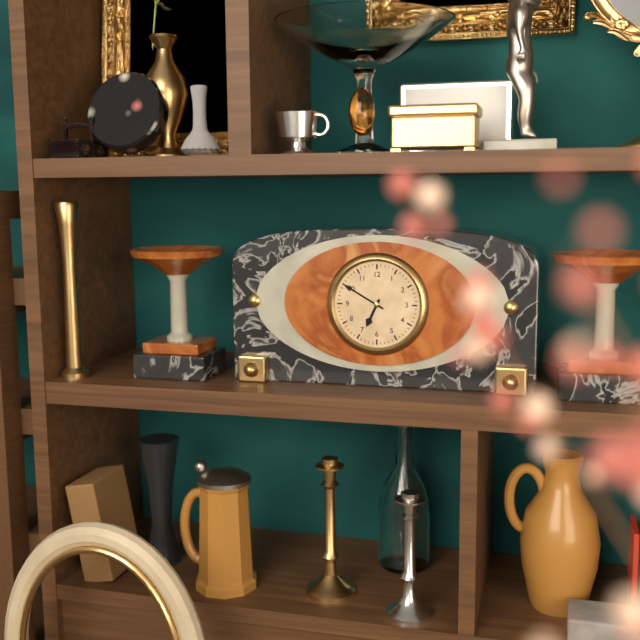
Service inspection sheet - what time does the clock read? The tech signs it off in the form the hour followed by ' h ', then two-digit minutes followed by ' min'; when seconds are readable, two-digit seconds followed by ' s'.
6 h 50 min
